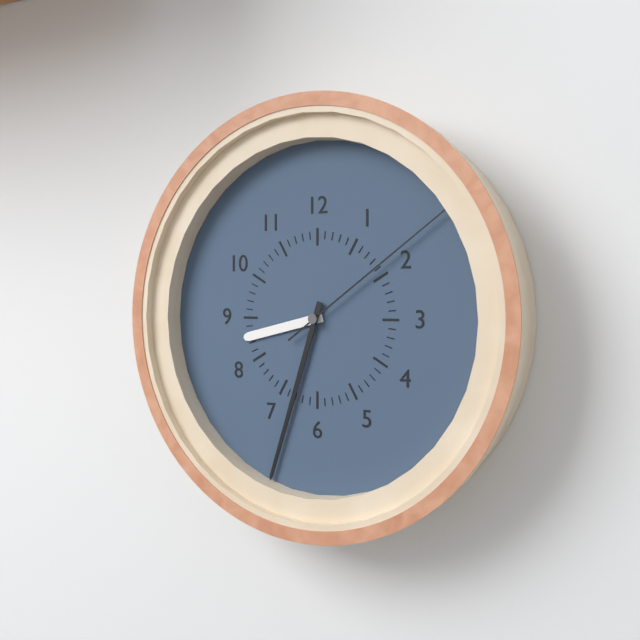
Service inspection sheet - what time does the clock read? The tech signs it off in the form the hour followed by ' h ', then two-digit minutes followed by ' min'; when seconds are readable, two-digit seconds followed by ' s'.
8 h 33 min 09 s
